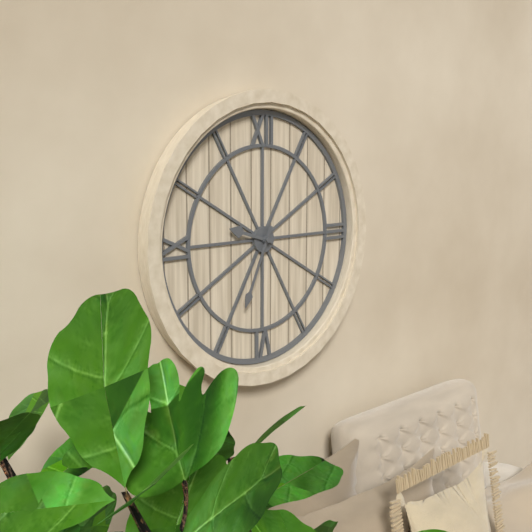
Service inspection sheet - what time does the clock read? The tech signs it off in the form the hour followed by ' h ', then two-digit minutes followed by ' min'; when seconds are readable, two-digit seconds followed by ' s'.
9 h 34 min
